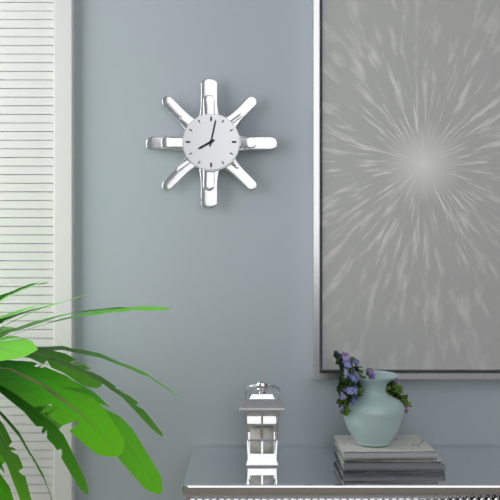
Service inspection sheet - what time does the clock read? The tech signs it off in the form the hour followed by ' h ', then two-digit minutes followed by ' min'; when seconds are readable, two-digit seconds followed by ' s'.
8 h 02 min
